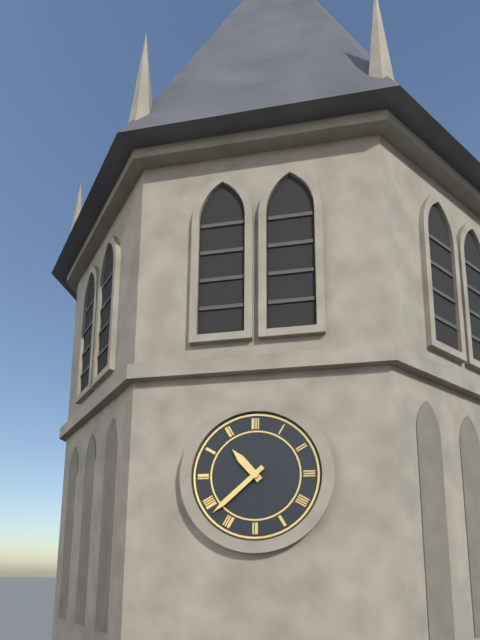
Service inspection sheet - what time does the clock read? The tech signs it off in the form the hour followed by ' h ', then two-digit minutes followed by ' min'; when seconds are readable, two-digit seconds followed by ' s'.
10 h 38 min
